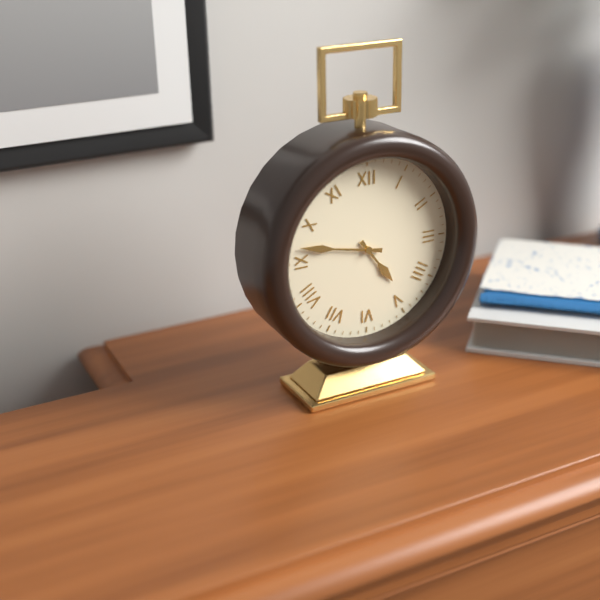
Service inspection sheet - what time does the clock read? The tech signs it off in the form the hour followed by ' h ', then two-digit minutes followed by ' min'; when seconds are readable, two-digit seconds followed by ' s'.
4 h 47 min
